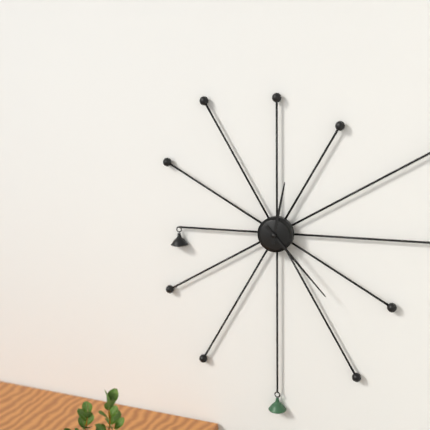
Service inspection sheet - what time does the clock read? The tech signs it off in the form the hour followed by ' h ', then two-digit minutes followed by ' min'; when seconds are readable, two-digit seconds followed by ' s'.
12 h 23 min
